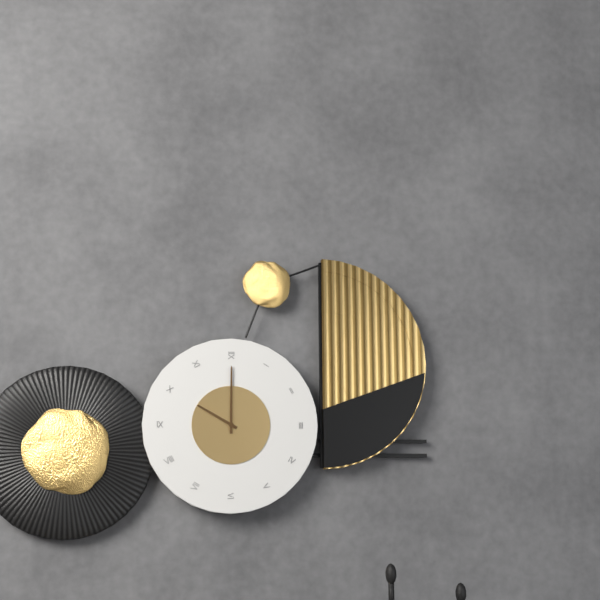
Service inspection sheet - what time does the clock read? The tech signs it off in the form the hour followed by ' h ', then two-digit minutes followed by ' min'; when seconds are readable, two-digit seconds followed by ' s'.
10 h 00 min
